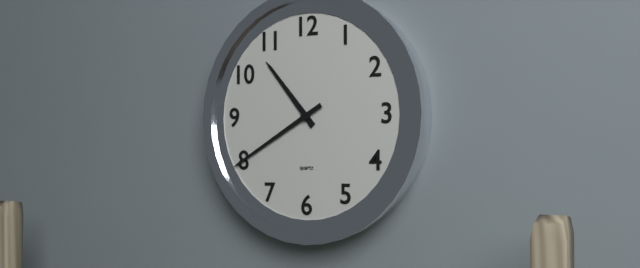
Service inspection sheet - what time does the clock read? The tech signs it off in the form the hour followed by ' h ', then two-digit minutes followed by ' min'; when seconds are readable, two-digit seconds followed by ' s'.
10 h 40 min
